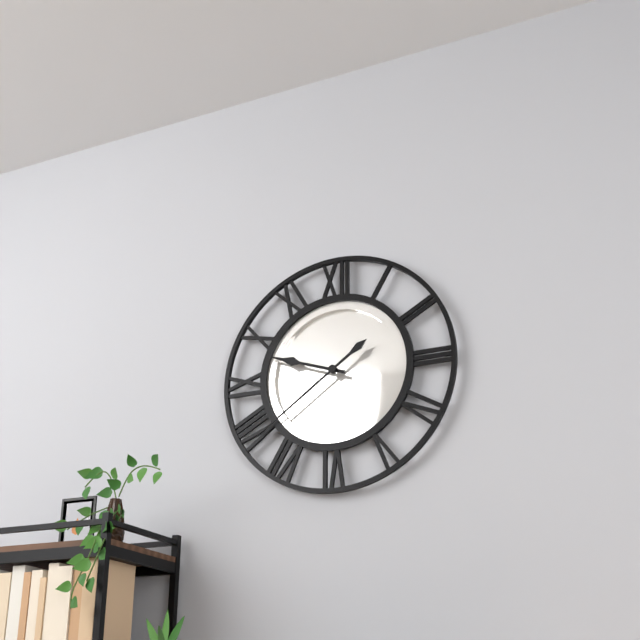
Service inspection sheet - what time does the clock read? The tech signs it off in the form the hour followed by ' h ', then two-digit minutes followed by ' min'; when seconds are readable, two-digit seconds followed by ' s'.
9 h 39 min
